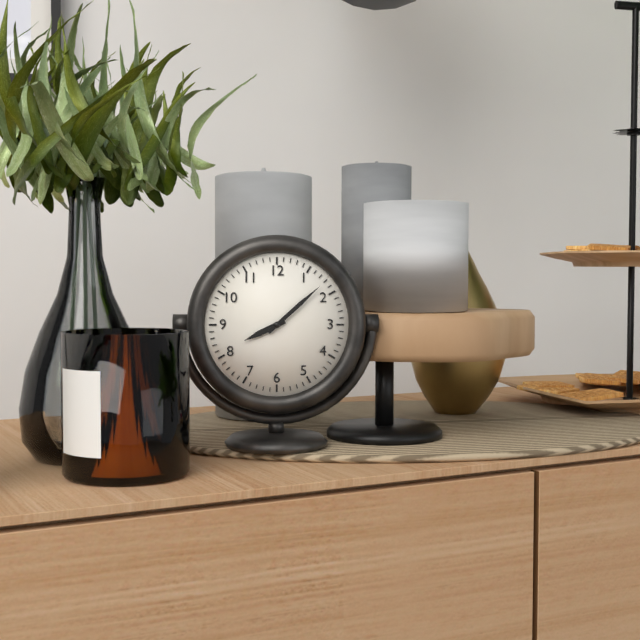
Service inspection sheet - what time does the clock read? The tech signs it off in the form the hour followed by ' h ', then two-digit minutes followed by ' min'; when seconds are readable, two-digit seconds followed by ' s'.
8 h 08 min
